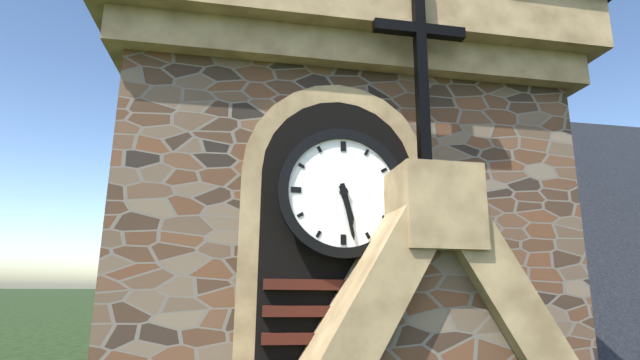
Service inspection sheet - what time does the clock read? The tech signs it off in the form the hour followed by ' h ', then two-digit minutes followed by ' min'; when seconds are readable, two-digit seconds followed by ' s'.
5 h 28 min
